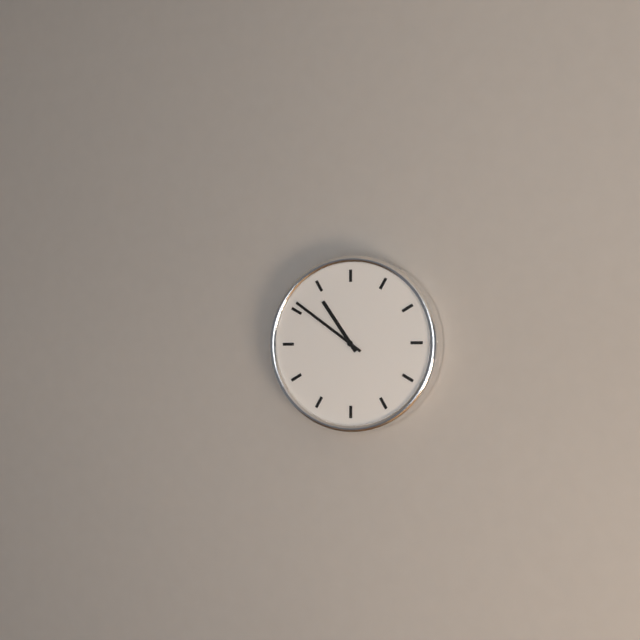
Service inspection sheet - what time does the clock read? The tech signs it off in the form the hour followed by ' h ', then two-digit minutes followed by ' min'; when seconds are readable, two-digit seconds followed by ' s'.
10 h 51 min
